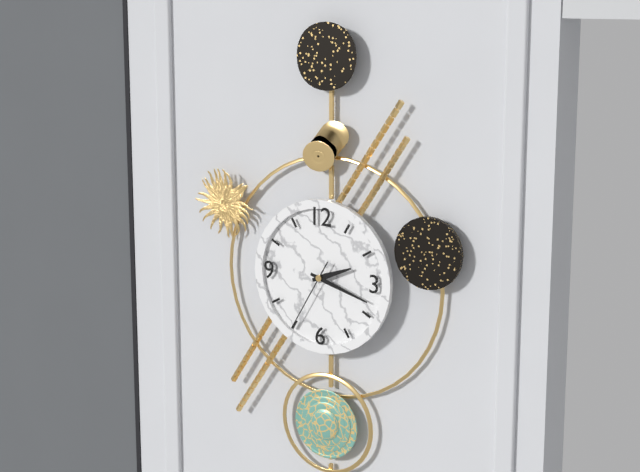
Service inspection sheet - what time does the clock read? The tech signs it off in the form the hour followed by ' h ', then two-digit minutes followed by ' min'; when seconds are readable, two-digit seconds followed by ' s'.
2 h 18 min 35 s
